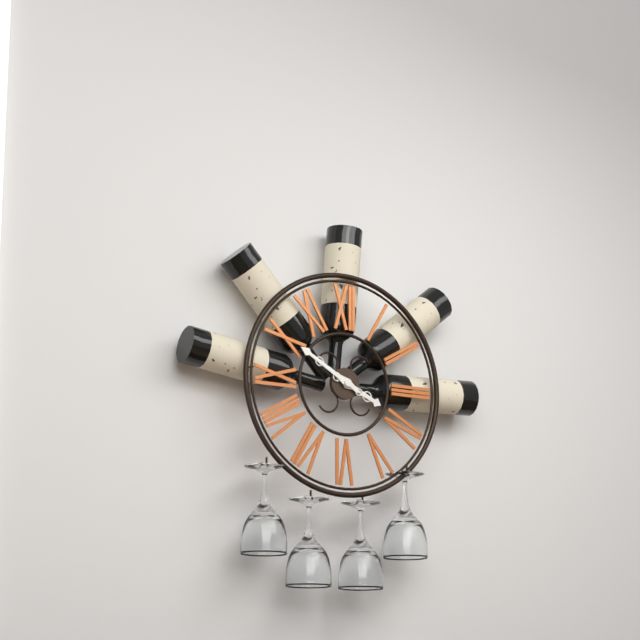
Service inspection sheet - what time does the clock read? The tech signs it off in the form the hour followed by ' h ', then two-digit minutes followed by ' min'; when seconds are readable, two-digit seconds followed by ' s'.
3 h 50 min
